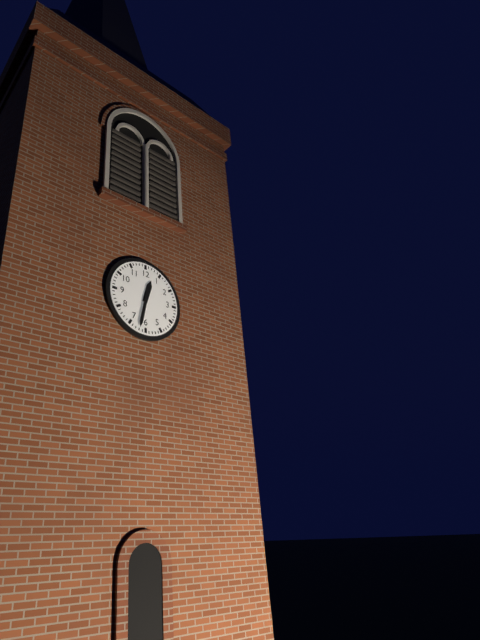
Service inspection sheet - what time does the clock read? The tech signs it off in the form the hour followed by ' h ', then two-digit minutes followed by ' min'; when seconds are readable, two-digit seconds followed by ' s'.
12 h 32 min
